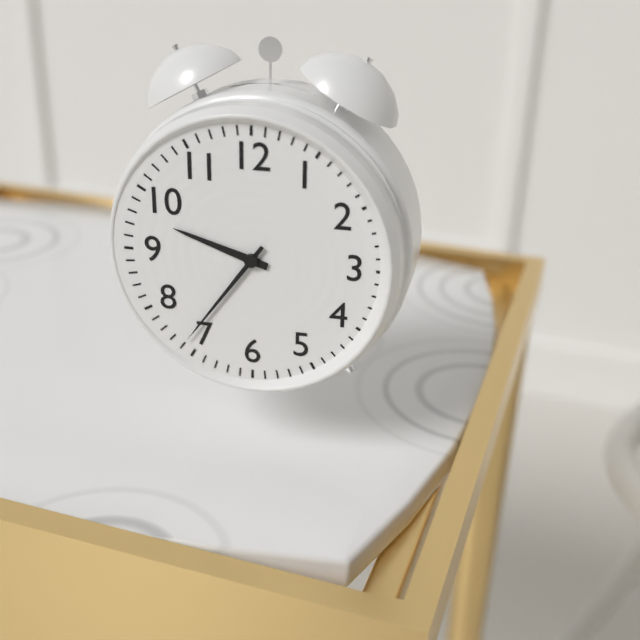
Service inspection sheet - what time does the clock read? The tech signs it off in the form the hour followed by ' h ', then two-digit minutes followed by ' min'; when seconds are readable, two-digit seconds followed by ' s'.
9 h 36 min
